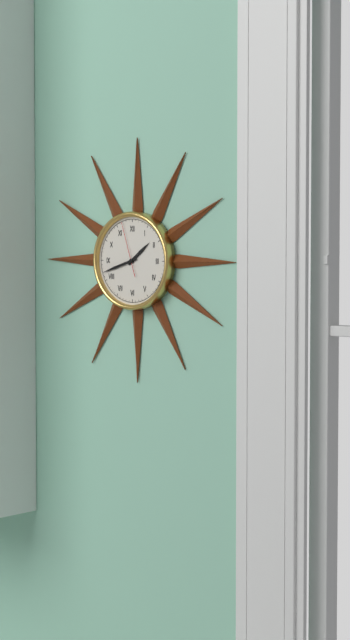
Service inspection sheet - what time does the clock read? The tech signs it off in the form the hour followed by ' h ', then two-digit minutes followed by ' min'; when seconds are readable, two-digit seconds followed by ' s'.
1 h 42 min 57 s
